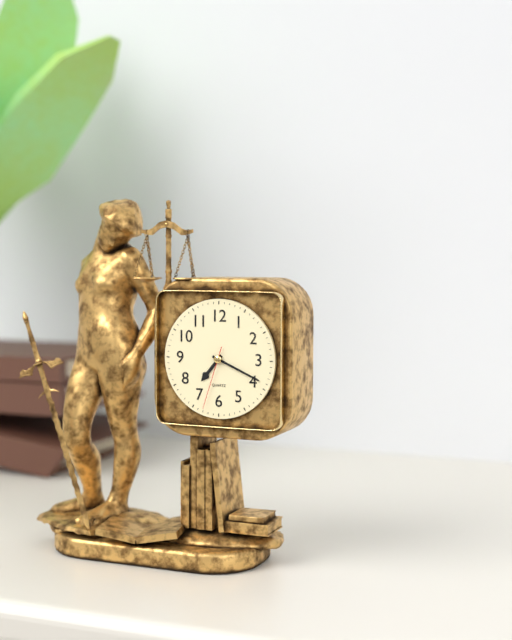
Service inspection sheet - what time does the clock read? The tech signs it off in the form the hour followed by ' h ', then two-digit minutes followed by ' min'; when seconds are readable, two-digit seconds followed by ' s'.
7 h 19 min 33 s
